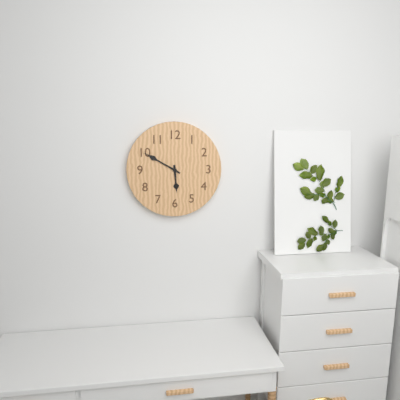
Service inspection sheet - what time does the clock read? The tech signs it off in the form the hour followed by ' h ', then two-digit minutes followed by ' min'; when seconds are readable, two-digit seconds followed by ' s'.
5 h 50 min
